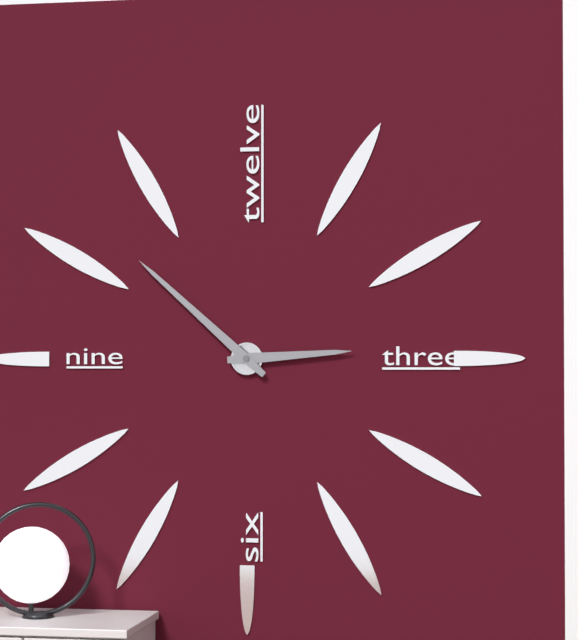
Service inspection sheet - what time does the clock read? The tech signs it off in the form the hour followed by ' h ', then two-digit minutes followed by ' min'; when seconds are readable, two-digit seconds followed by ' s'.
2 h 52 min
